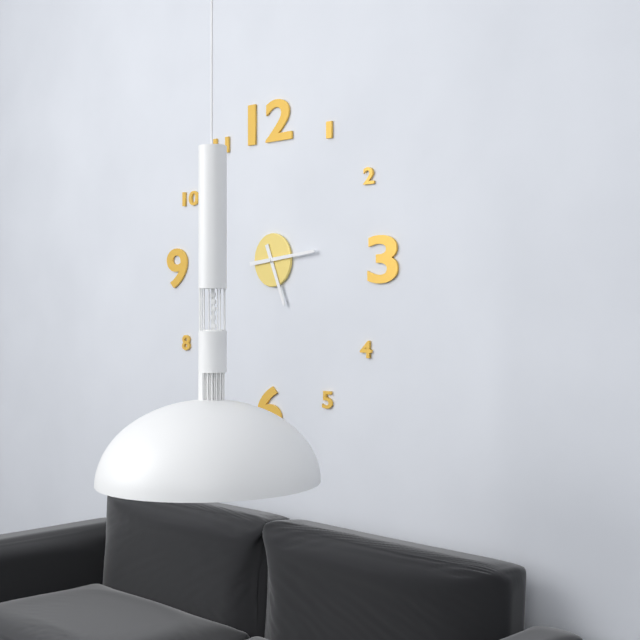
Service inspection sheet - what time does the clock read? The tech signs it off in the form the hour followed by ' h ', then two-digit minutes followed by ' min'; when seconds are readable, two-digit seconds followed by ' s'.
5 h 14 min
